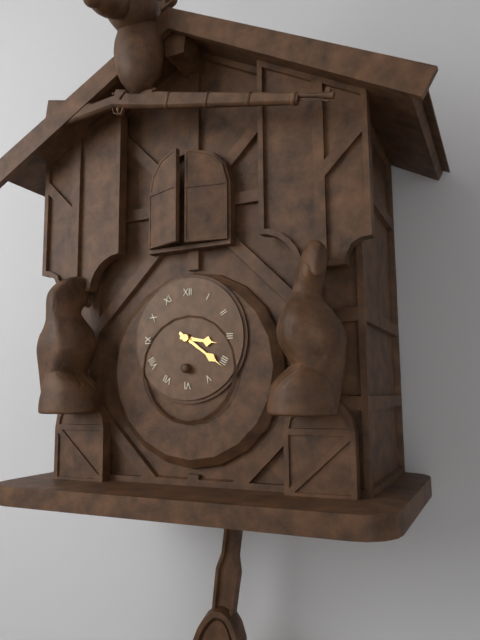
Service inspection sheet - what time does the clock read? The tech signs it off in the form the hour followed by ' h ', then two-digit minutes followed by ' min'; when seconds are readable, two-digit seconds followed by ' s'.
3 h 21 min
